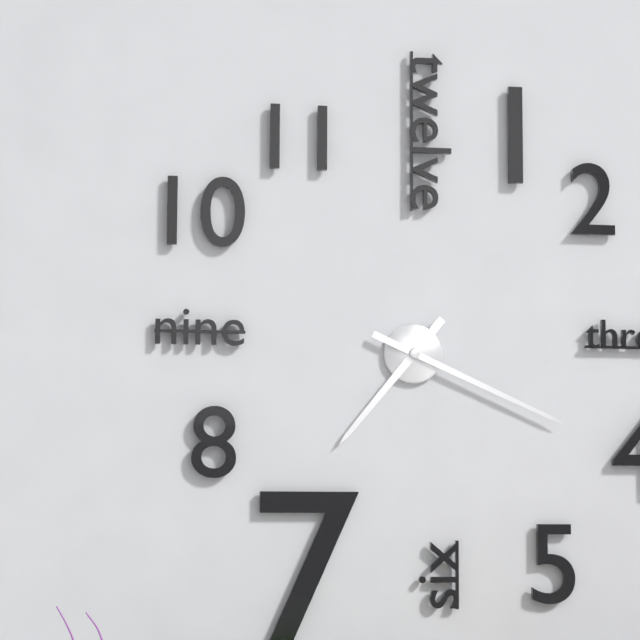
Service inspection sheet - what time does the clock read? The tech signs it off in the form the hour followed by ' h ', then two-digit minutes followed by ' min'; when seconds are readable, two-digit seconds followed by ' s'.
7 h 19 min
